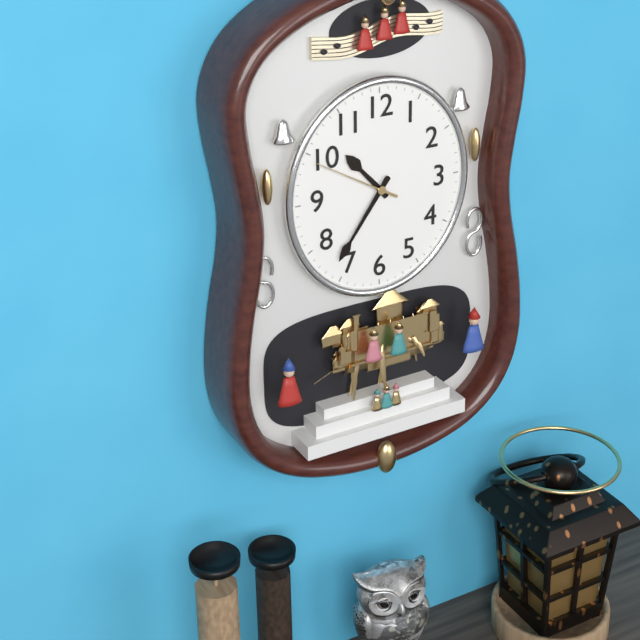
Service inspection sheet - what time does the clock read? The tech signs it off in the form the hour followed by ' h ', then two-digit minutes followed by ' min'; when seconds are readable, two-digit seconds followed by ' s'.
10 h 36 min 50 s
